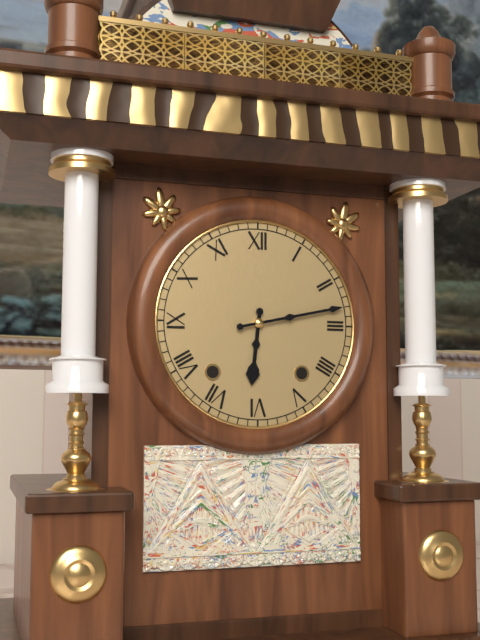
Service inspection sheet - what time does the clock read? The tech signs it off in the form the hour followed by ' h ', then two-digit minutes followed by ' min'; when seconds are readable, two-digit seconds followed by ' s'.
6 h 13 min
